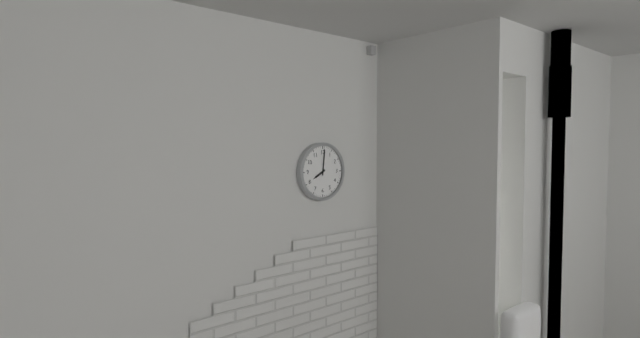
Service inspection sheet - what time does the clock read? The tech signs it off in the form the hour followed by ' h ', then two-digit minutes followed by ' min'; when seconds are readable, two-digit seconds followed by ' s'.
8 h 01 min
